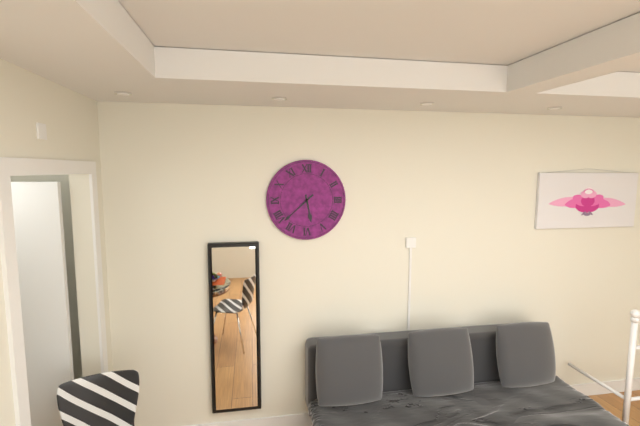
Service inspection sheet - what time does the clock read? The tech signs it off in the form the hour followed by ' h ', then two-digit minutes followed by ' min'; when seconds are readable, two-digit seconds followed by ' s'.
5 h 38 min
